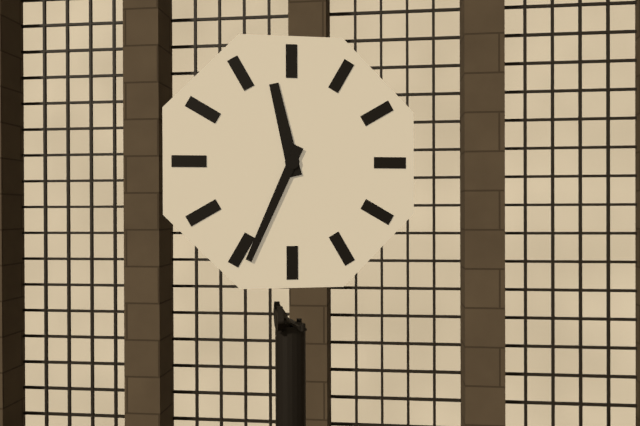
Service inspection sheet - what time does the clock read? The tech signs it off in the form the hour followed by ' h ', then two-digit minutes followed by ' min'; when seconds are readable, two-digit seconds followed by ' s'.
11 h 34 min
